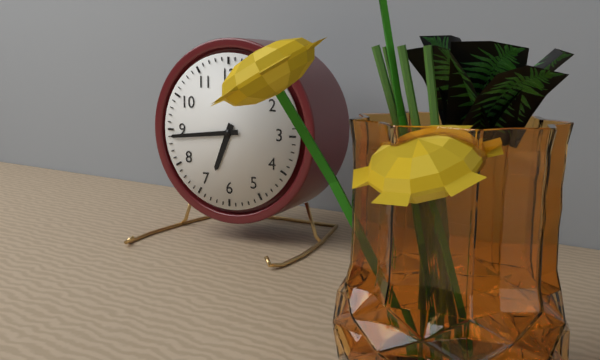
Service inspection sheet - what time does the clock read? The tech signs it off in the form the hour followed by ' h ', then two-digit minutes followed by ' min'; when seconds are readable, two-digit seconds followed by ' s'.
6 h 44 min
